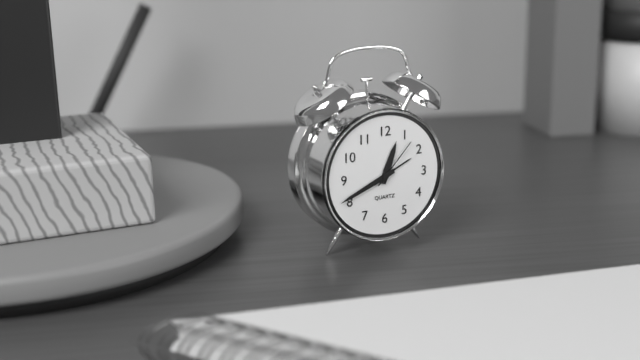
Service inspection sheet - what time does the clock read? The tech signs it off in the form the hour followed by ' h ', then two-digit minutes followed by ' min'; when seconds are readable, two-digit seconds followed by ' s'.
12 h 41 min 07 s
